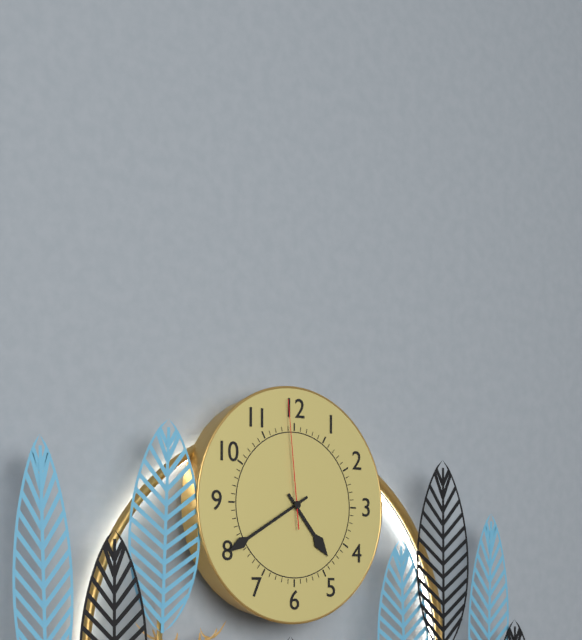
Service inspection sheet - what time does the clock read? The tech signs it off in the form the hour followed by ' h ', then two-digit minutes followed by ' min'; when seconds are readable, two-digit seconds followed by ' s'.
4 h 40 min 59 s
